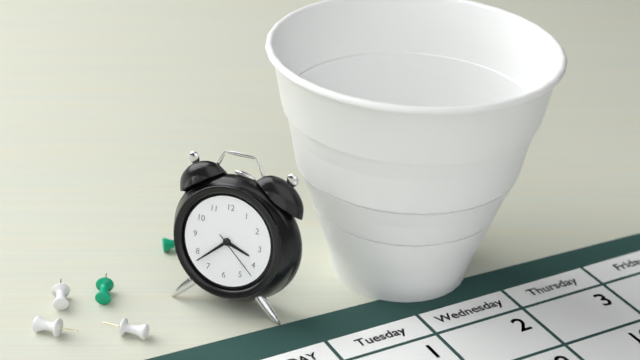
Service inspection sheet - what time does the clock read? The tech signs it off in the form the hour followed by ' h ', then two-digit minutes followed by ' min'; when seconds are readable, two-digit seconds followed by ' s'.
3 h 38 min 22 s
